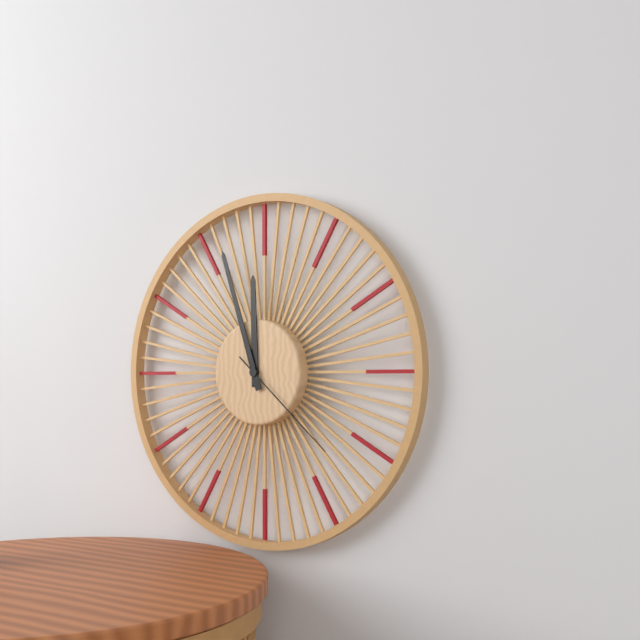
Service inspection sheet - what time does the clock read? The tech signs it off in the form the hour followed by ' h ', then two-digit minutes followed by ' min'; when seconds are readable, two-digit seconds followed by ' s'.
11 h 57 min 22 s
